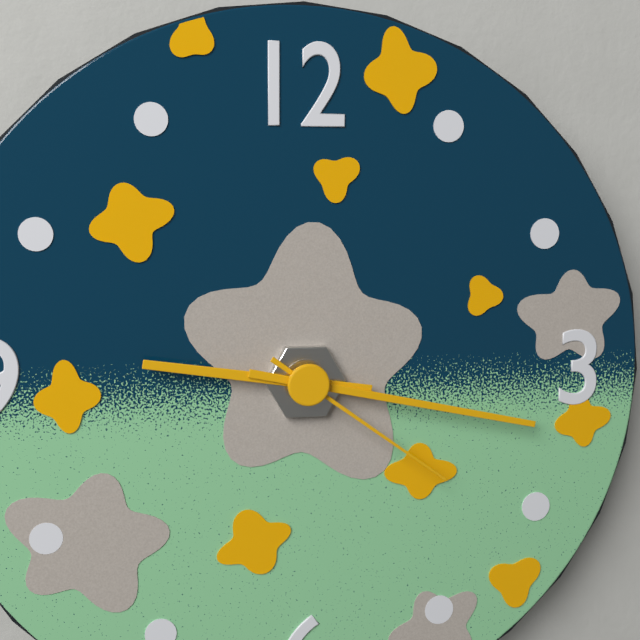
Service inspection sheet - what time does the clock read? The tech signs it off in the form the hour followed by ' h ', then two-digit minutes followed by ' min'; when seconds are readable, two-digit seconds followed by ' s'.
9 h 17 min 21 s
